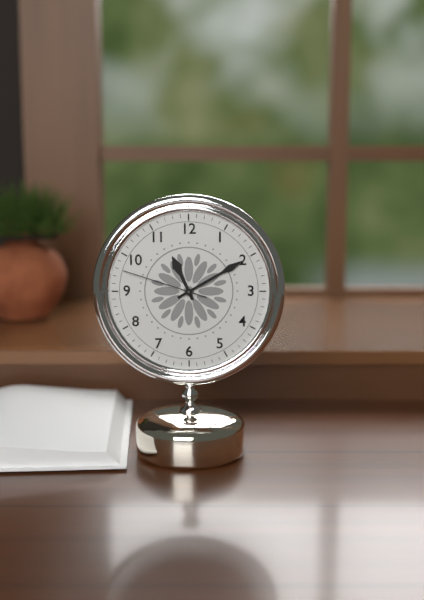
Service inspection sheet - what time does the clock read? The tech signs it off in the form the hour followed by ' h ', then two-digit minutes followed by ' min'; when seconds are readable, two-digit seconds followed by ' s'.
11 h 10 min 48 s
